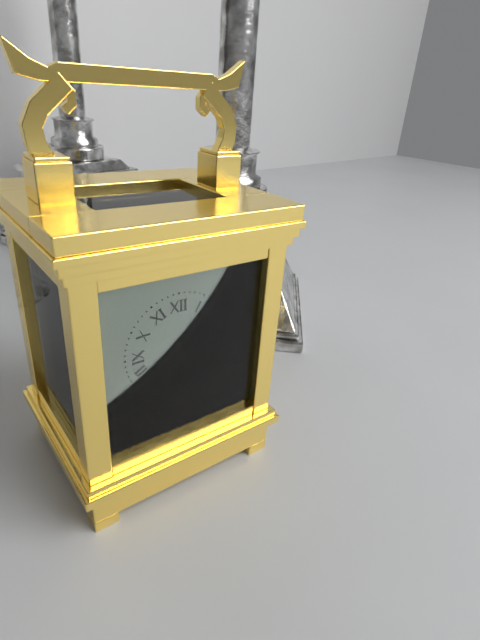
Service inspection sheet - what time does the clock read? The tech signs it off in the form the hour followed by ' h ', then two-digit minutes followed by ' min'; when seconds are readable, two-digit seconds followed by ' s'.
1 h 37 min
